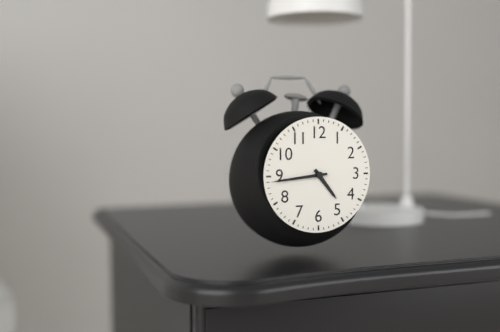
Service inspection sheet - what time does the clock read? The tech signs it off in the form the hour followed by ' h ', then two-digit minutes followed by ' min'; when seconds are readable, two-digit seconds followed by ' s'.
4 h 44 min
